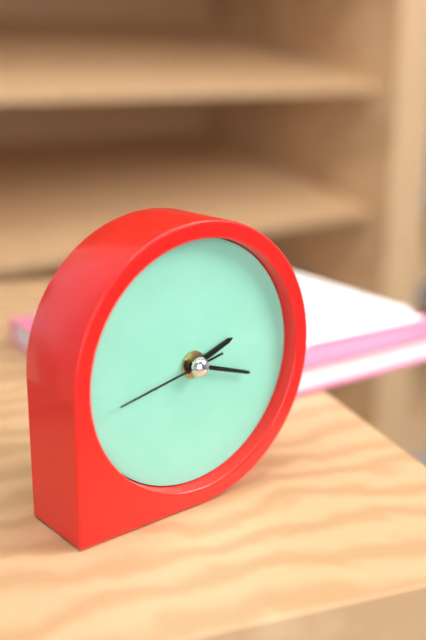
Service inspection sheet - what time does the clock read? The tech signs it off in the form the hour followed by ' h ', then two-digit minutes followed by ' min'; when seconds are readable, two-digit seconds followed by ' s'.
2 h 18 min 43 s
